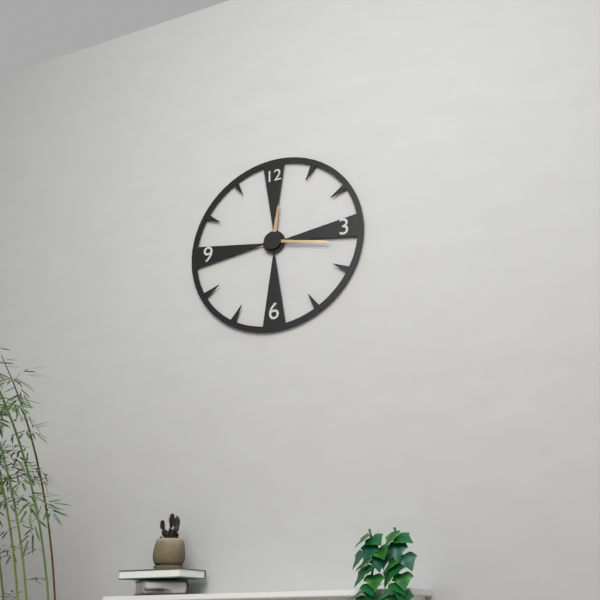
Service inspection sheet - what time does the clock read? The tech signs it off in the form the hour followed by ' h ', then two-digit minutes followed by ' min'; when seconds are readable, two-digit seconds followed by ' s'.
12 h 17 min
